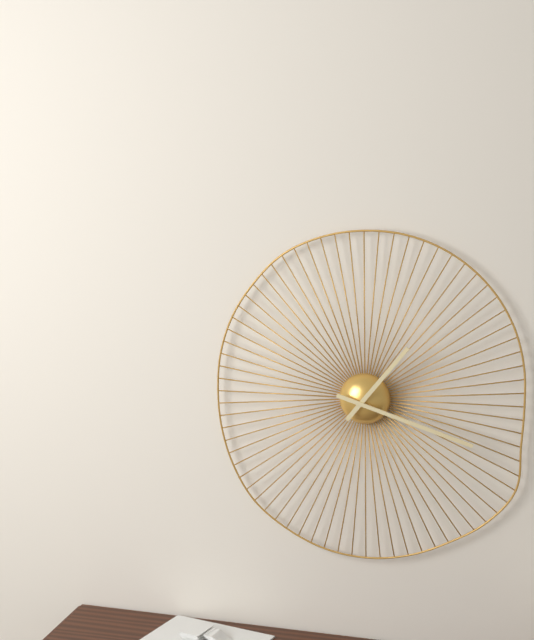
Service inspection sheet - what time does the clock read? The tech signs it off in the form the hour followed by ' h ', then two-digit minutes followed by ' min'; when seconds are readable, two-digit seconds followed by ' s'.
1 h 18 min
